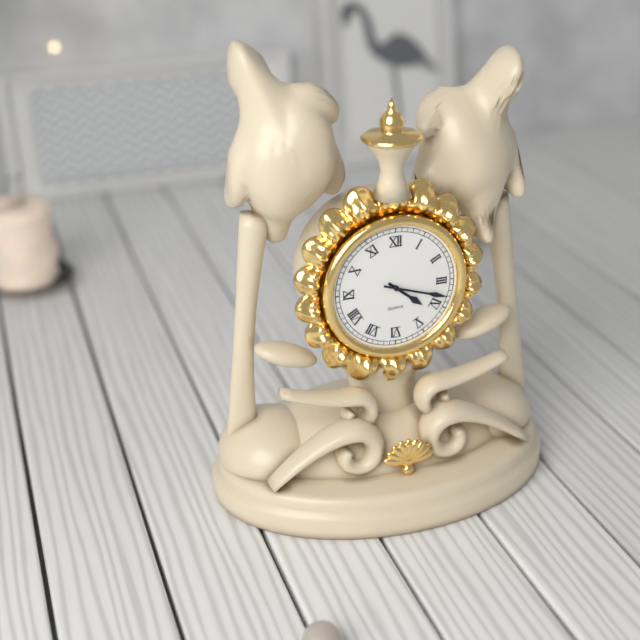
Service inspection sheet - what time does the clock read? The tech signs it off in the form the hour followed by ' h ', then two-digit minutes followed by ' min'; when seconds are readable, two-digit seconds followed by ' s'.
4 h 18 min
